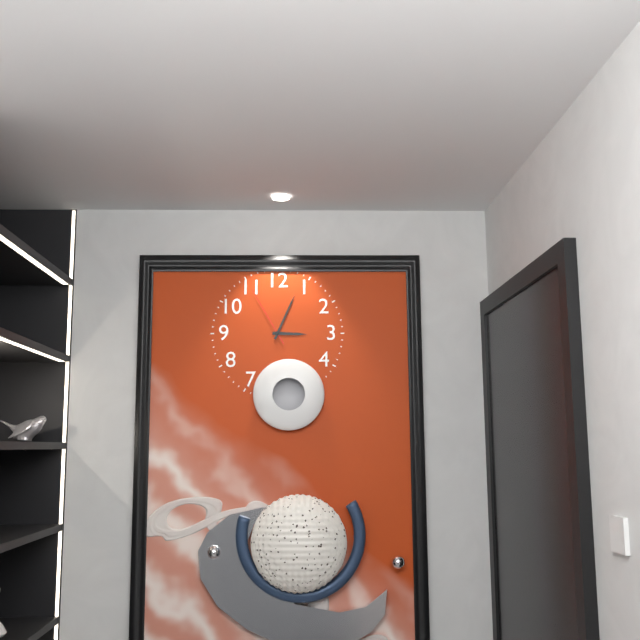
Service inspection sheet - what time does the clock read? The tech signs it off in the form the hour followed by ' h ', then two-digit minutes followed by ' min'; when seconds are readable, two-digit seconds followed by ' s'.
3 h 04 min 55 s
